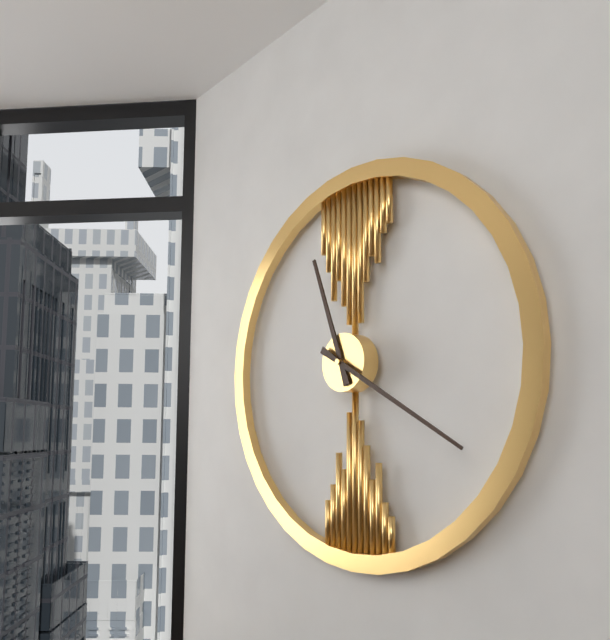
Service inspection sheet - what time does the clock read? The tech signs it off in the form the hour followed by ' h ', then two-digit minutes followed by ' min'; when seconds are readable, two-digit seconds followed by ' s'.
11 h 20 min
